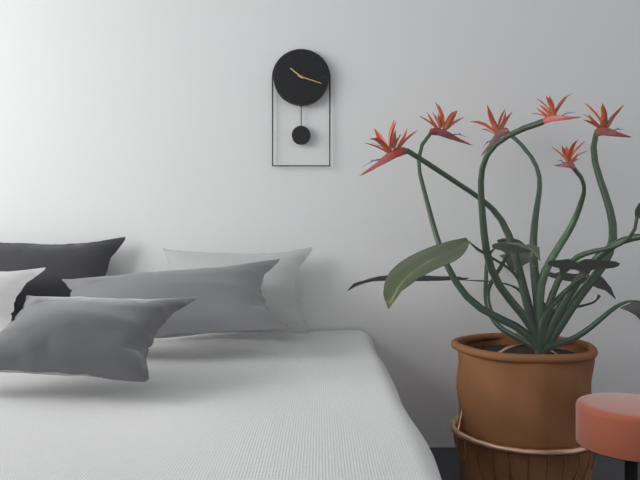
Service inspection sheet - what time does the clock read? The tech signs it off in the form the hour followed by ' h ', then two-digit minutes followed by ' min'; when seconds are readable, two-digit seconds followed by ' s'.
10 h 18 min
